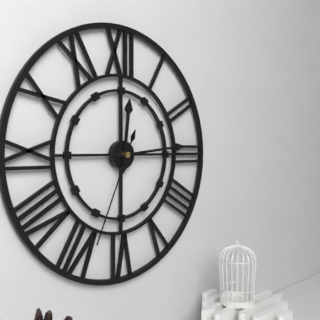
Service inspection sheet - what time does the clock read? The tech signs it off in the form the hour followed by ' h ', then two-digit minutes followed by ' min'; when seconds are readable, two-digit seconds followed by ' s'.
12 h 14 min 34 s
